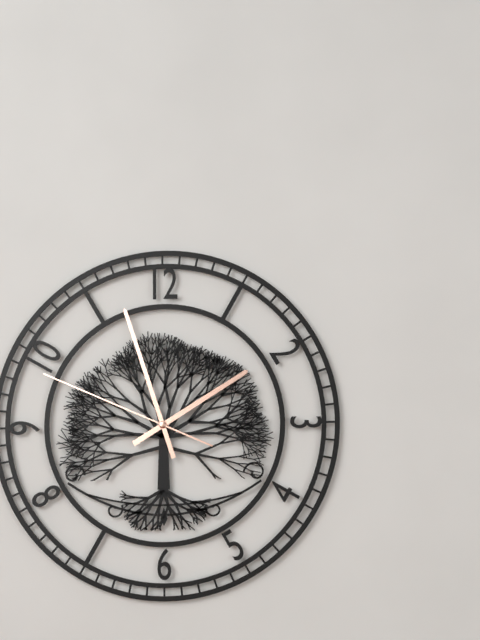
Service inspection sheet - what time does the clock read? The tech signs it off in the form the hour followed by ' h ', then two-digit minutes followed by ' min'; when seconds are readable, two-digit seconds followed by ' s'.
1 h 57 min 49 s
